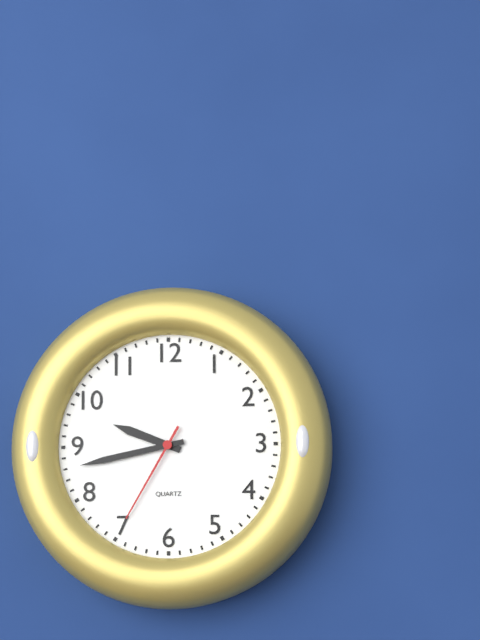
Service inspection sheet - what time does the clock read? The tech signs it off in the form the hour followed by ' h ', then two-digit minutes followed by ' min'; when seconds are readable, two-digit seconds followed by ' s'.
9 h 43 min 35 s
